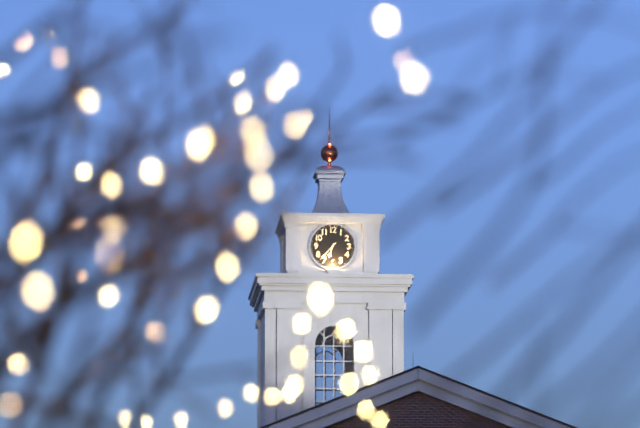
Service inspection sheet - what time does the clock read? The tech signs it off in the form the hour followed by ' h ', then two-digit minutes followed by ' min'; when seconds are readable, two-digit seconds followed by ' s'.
6 h 37 min
